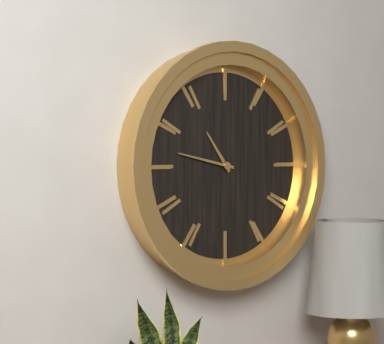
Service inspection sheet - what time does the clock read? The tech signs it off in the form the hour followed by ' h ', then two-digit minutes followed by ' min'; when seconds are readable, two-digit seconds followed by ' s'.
10 h 47 min
